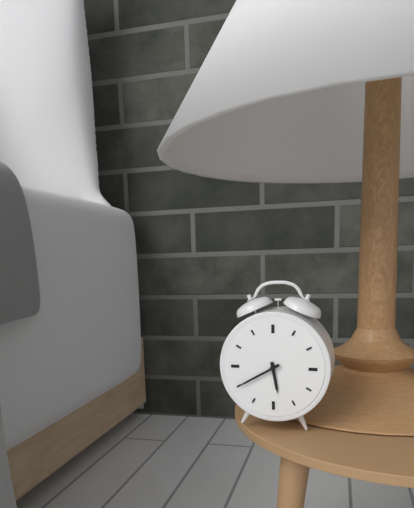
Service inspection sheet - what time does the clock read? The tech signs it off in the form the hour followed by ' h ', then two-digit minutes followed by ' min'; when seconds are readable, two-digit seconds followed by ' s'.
5 h 40 min
